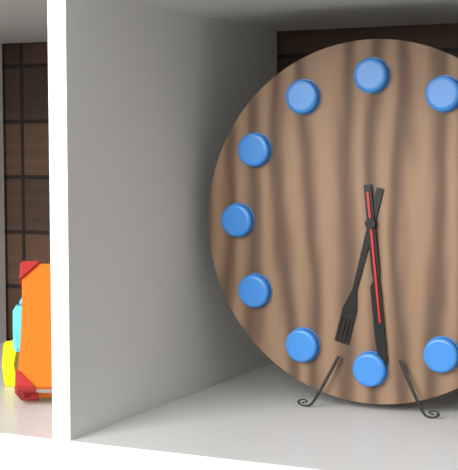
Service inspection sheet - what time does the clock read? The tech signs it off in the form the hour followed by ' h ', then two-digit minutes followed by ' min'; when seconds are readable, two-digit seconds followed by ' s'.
6 h 29 min 29 s
